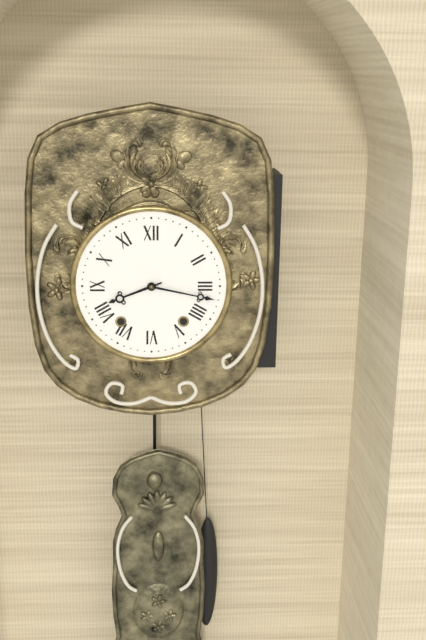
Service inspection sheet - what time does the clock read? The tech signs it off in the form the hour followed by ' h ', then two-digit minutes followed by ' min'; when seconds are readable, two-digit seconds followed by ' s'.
8 h 17 min
